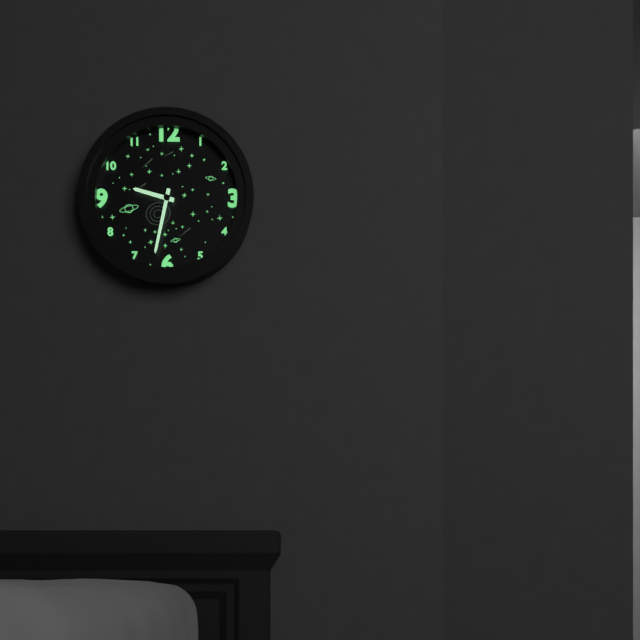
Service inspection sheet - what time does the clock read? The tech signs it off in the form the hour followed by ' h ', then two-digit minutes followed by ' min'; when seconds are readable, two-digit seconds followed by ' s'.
9 h 32 min
